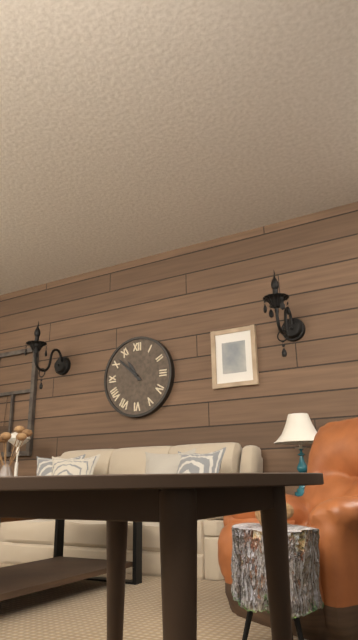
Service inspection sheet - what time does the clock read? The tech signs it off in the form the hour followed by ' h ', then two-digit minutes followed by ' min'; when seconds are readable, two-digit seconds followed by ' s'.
10 h 52 min
